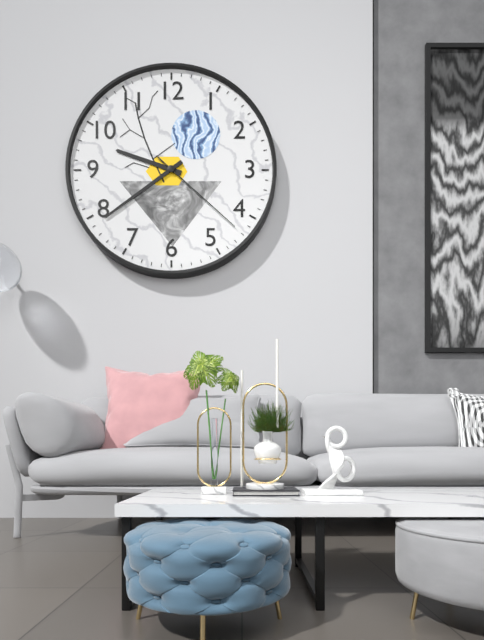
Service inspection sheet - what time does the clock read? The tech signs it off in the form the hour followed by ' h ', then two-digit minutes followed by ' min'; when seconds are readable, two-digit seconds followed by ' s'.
9 h 39 min 22 s
